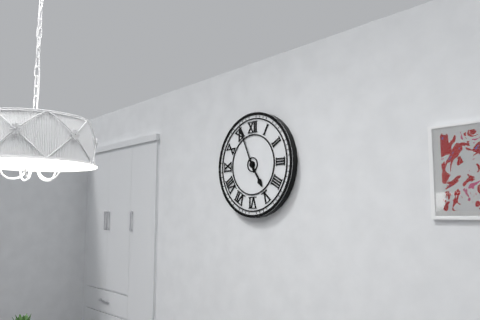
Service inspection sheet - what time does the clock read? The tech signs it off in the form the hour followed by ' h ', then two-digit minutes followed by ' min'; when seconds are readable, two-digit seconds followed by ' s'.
4 h 56 min
